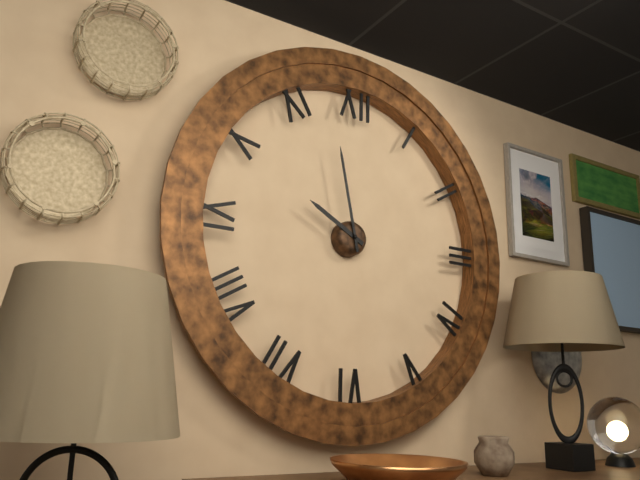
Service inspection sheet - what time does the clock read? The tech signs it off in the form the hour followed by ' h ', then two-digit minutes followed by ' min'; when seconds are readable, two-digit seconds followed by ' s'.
9 h 58 min
